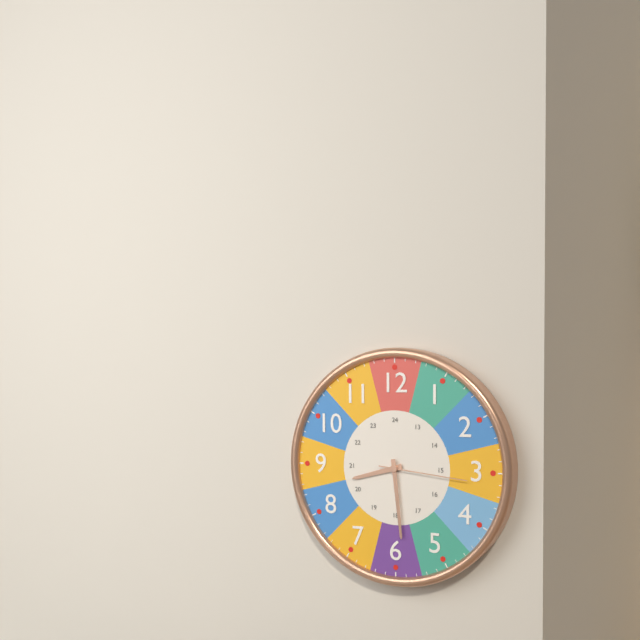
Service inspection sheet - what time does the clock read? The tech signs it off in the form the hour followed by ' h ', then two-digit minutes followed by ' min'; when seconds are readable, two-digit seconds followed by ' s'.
8 h 29 min 16 s
